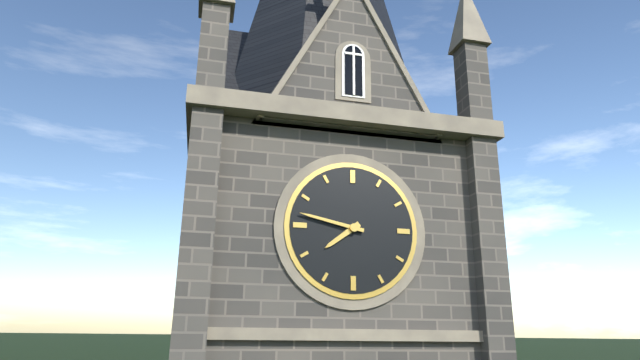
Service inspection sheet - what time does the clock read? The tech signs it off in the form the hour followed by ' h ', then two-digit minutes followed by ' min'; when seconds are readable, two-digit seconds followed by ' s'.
7 h 47 min
